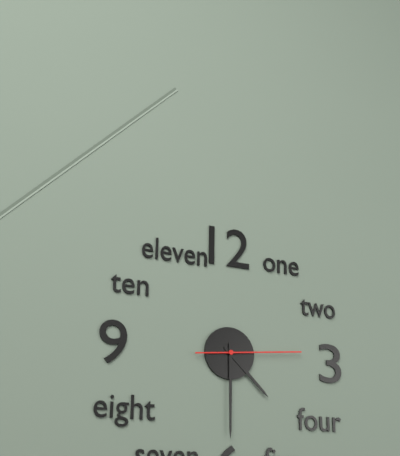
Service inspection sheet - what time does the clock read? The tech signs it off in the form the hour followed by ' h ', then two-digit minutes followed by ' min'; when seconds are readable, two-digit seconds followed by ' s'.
4 h 30 min 14 s
